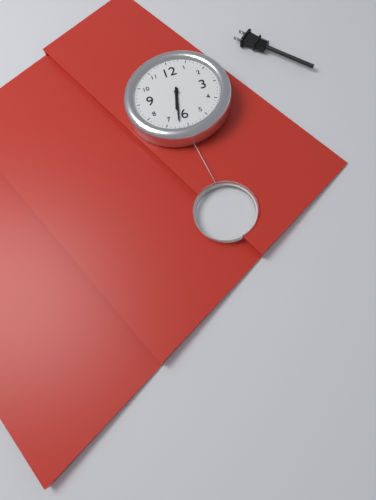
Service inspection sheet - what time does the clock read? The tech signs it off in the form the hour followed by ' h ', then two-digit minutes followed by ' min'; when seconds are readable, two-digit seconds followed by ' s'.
6 h 32 min
